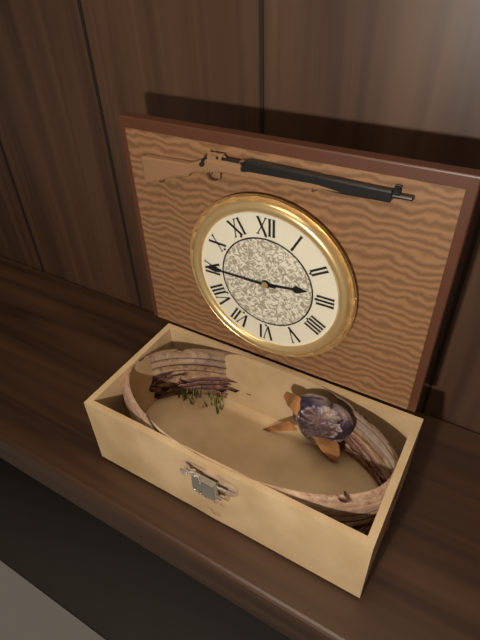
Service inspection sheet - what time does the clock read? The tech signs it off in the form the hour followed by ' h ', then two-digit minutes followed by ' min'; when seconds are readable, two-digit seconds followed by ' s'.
2 h 45 min
